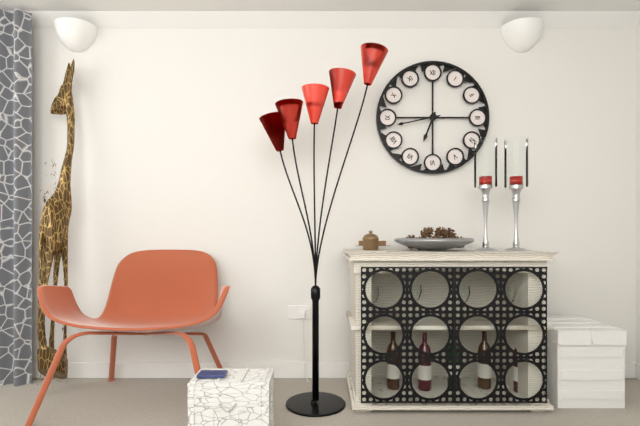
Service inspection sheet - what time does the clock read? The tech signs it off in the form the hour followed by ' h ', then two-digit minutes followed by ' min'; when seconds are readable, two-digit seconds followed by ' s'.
6 h 43 min
